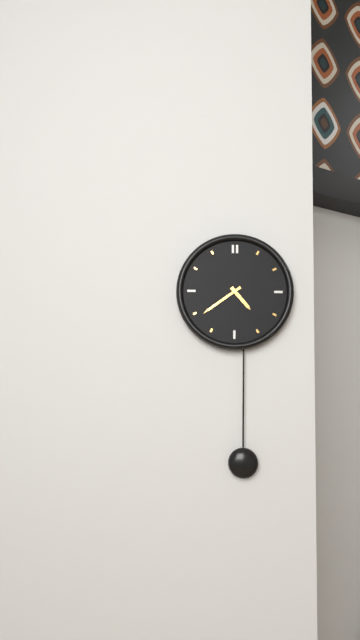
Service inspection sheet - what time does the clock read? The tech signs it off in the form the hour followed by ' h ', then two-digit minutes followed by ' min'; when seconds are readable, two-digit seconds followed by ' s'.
4 h 39 min
